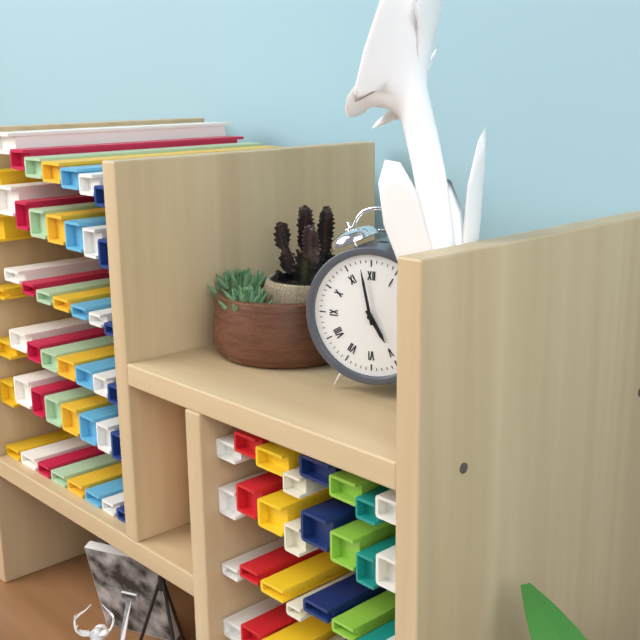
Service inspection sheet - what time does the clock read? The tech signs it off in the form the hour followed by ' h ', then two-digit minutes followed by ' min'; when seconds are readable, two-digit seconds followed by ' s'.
4 h 58 min
